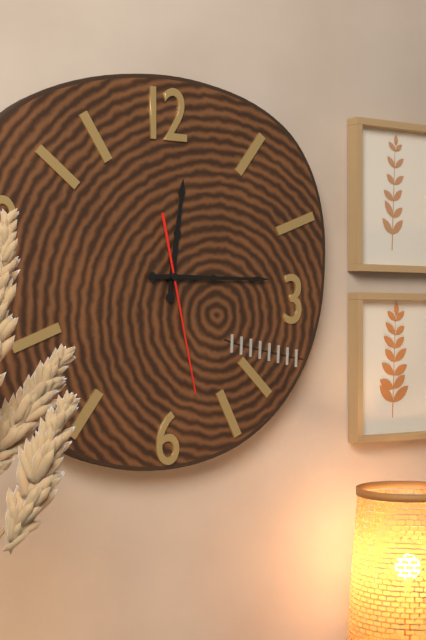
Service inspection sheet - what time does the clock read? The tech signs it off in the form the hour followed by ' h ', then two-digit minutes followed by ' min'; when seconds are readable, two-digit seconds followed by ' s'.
12 h 15 min 28 s
